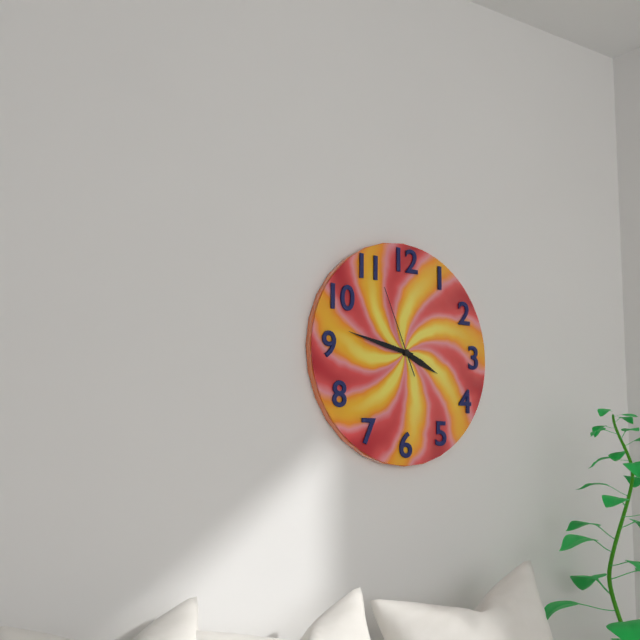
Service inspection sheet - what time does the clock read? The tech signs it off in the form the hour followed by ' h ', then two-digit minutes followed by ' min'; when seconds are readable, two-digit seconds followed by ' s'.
3 h 47 min 56 s
